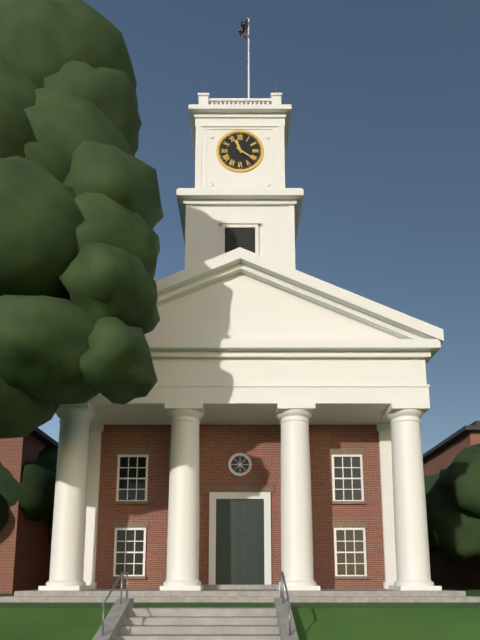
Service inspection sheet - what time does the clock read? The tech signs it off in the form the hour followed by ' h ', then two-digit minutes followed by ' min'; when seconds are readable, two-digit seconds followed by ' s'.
11 h 21 min
